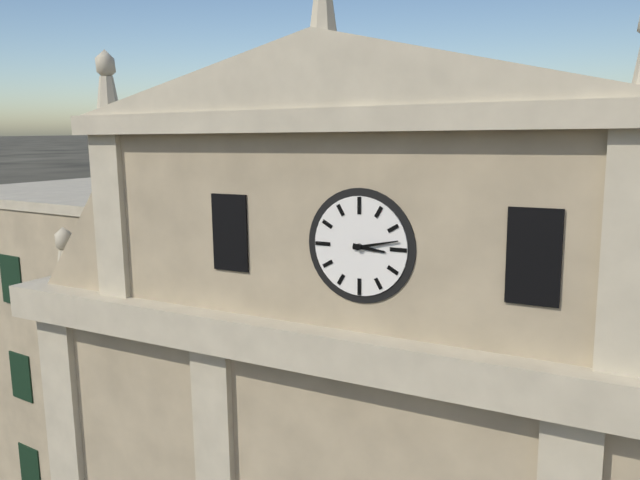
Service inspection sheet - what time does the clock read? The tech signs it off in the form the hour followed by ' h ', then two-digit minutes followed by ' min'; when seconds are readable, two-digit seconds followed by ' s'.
3 h 13 min
